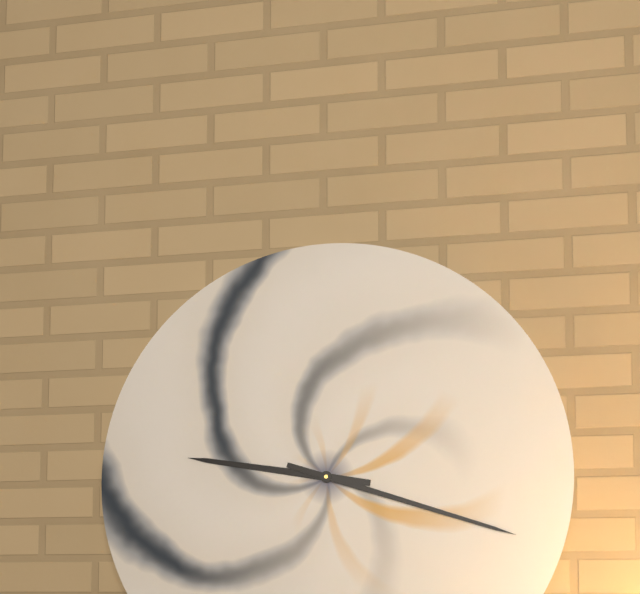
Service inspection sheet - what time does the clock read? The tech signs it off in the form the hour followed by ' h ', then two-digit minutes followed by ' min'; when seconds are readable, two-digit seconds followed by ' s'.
9 h 18 min
